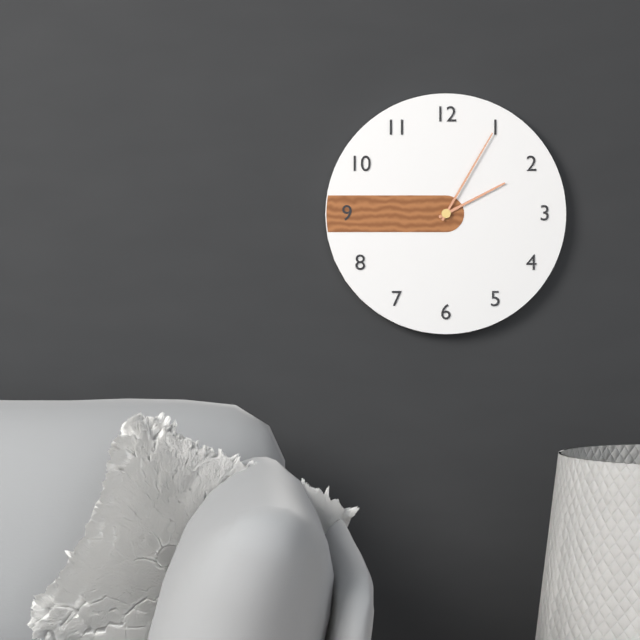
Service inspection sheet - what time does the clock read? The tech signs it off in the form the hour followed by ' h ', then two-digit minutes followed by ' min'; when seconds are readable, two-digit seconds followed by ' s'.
2 h 05 min
